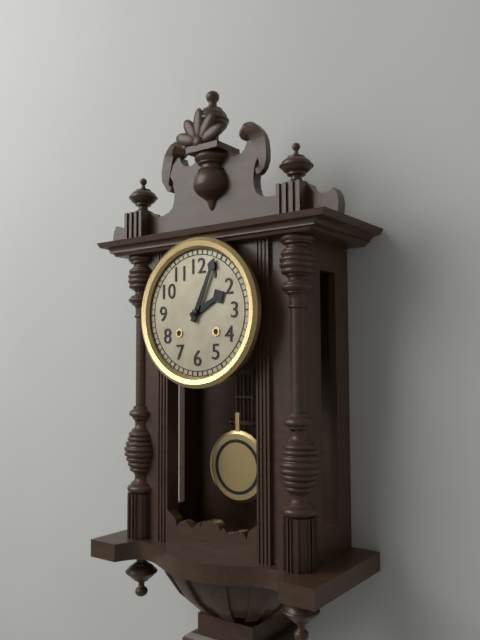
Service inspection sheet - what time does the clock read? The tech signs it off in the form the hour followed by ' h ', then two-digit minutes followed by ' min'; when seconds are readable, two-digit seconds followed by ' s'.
2 h 04 min
